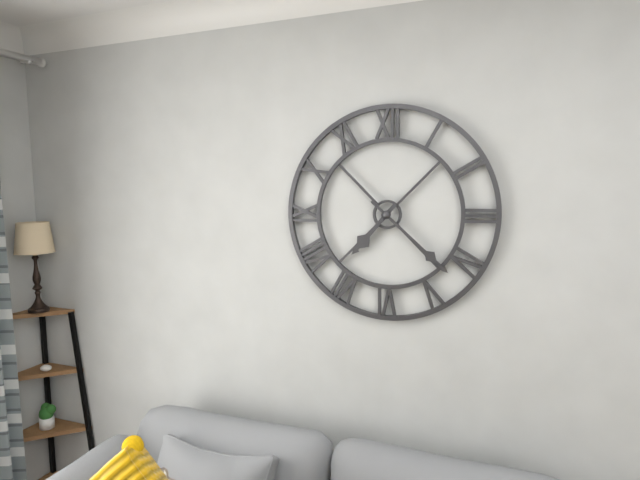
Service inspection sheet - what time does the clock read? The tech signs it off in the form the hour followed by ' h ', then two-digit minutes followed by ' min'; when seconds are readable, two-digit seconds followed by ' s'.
7 h 22 min
